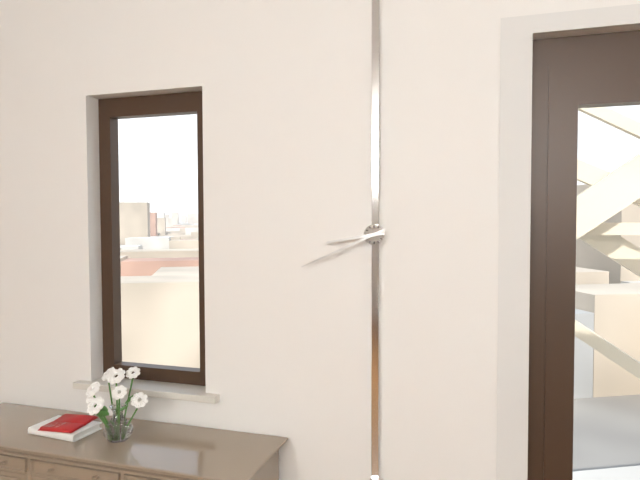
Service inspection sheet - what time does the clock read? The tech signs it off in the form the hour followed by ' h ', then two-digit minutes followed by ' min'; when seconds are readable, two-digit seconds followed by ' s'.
8 h 41 min
